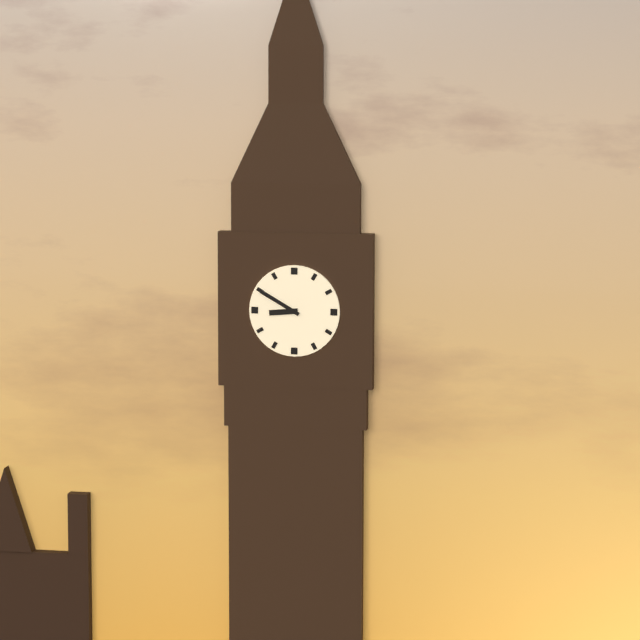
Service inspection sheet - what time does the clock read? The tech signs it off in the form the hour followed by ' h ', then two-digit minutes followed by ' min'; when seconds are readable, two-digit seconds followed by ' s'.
8 h 50 min
